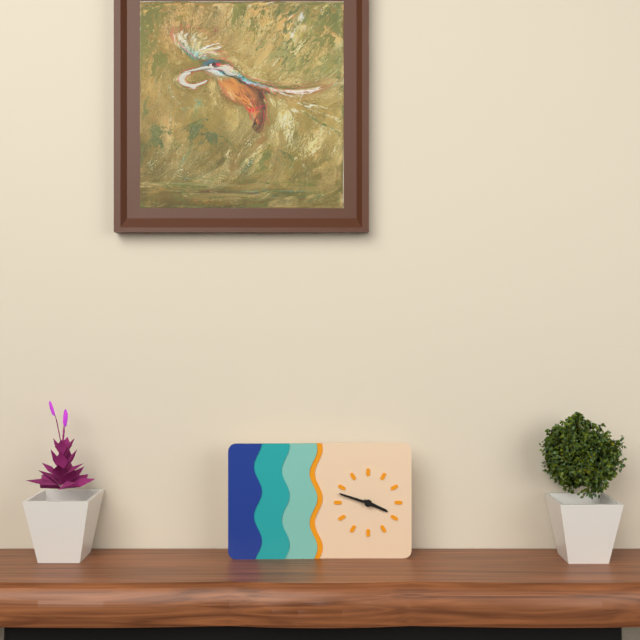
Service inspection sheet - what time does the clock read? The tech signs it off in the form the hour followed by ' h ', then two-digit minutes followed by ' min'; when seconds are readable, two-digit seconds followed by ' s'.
3 h 48 min
